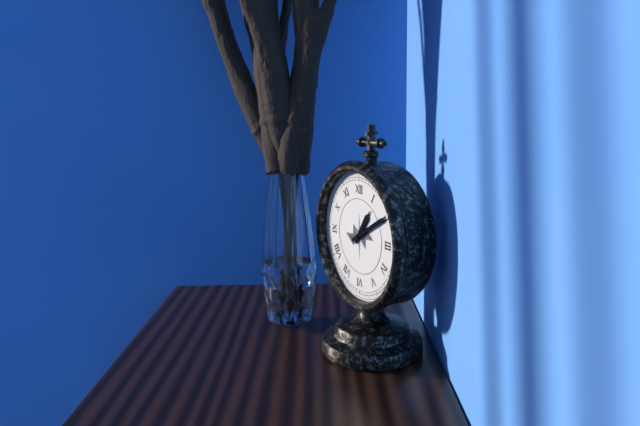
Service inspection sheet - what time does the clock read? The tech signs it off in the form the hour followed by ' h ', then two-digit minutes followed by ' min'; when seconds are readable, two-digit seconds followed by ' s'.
1 h 10 min
